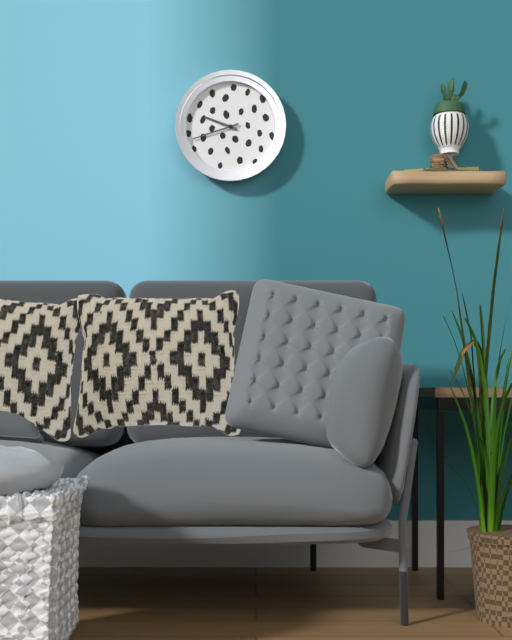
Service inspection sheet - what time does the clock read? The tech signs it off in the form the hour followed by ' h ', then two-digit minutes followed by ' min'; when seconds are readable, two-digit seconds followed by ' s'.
9 h 42 min
